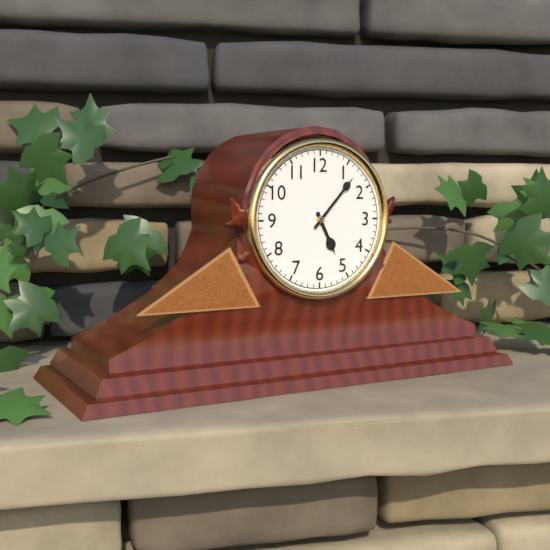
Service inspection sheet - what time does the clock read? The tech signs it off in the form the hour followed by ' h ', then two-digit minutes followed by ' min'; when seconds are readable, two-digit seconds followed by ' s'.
5 h 07 min
